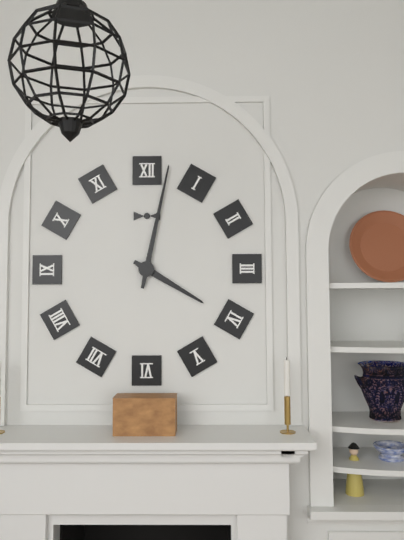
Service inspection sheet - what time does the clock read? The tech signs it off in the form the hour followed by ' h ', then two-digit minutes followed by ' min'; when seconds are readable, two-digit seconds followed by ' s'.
4 h 02 min
